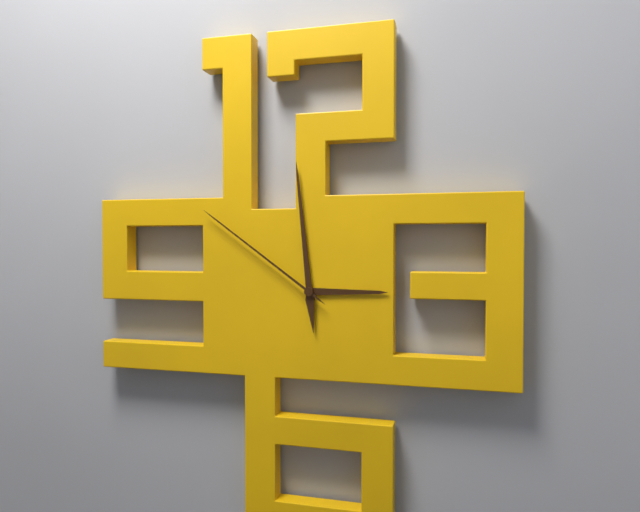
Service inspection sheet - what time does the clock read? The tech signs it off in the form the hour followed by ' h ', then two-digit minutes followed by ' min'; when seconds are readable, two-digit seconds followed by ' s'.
2 h 59 min 51 s
